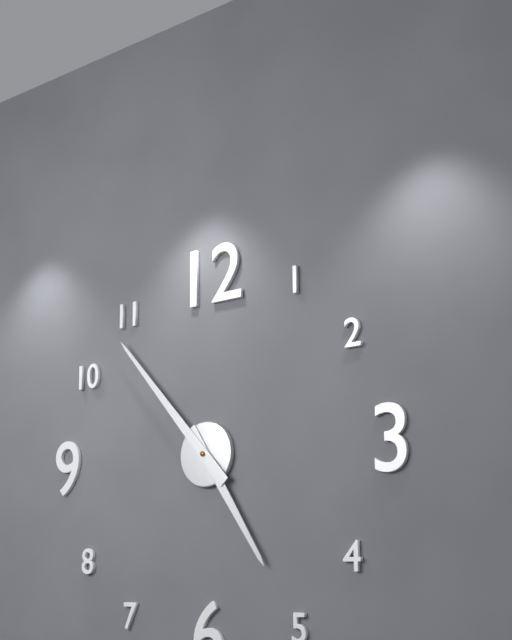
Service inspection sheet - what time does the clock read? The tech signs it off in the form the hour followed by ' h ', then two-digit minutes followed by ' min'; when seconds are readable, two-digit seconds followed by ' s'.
4 h 53 min
